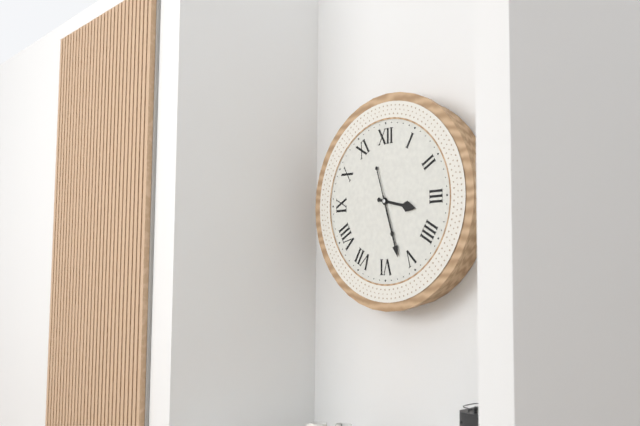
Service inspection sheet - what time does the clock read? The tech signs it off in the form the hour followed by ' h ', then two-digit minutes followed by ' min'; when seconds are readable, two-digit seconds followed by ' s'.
3 h 27 min
